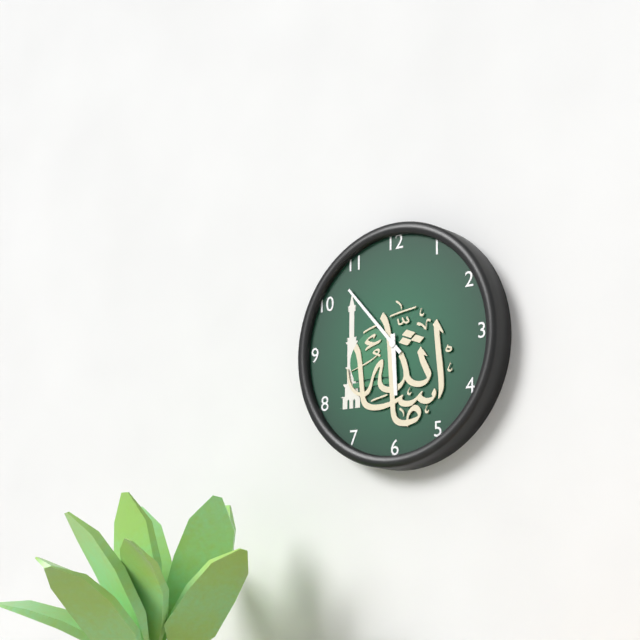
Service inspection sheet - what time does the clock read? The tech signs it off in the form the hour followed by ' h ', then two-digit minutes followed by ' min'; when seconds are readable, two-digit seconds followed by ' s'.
5 h 53 min
